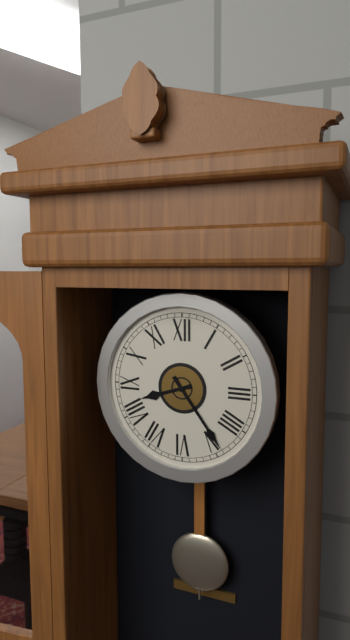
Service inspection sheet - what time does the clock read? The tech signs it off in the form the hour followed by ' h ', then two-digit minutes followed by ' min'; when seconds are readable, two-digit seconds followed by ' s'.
8 h 24 min
